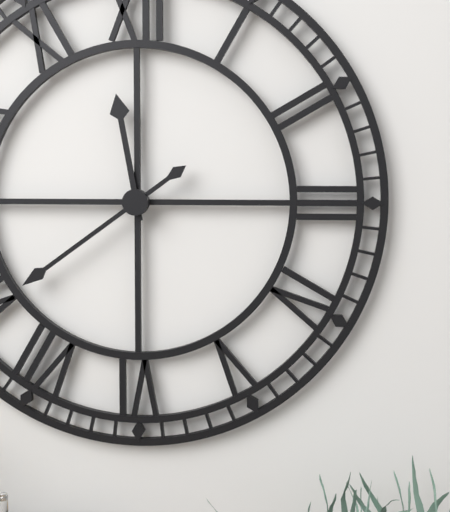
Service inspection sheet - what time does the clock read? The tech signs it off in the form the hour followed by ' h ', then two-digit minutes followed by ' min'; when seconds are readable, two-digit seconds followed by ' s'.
11 h 39 min
